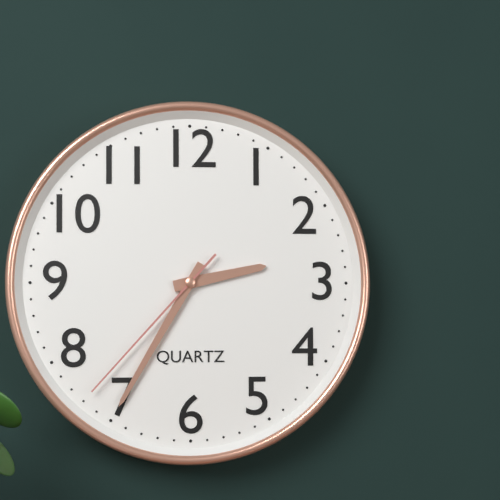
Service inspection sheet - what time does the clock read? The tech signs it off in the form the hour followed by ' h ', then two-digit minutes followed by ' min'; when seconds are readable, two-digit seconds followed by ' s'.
2 h 35 min 37 s
